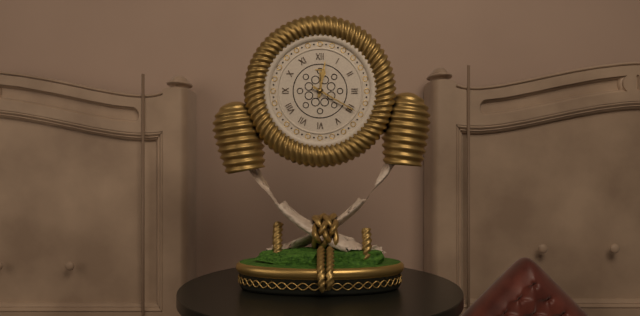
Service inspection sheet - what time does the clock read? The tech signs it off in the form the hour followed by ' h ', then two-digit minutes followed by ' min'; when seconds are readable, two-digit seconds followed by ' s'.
12 h 20 min
